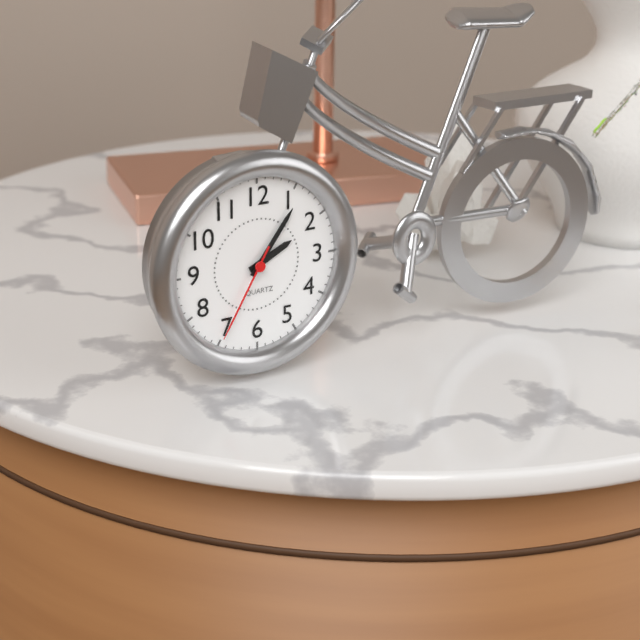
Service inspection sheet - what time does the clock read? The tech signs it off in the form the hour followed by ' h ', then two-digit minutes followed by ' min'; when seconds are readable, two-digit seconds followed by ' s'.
2 h 06 min 35 s
